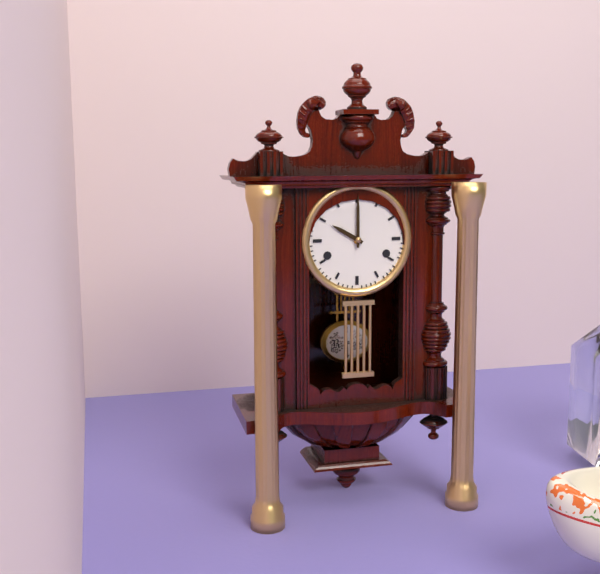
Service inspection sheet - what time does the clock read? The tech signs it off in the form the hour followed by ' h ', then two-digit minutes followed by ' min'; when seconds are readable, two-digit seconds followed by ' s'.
10 h 00 min
